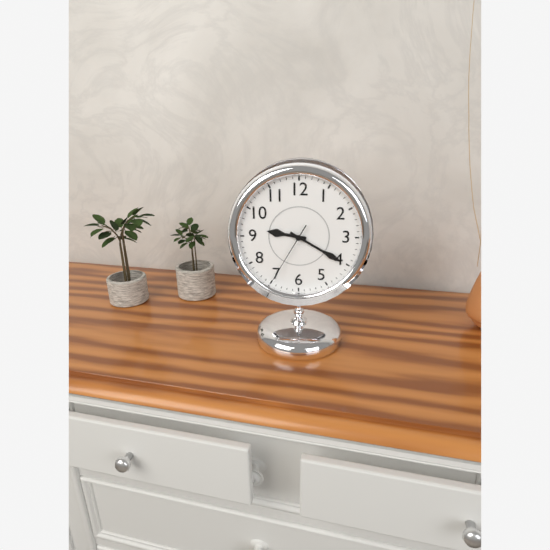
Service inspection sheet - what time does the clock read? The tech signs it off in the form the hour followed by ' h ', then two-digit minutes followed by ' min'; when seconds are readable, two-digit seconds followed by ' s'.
9 h 20 min 35 s
